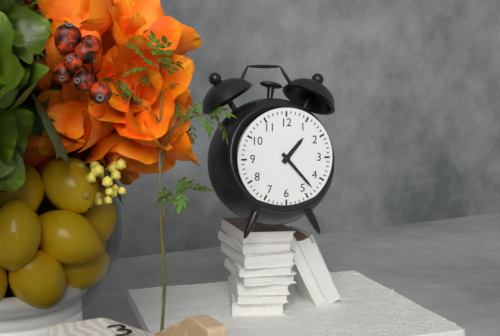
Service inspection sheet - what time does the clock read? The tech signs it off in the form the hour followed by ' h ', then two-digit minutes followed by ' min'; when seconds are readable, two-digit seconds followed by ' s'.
1 h 23 min
